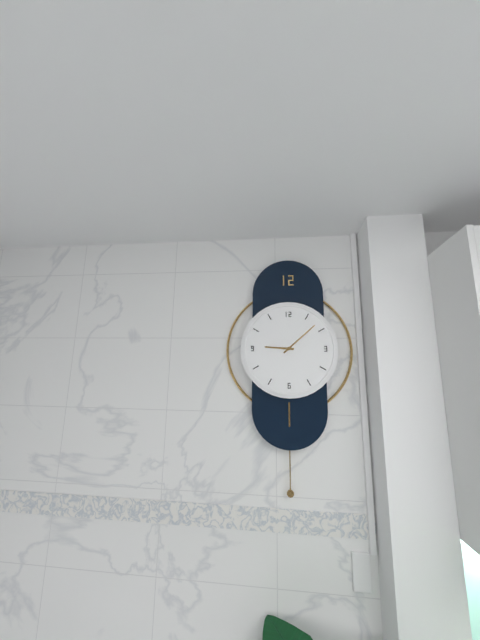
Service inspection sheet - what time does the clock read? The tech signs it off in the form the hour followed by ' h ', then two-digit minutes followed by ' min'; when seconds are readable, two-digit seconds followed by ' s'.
9 h 08 min
